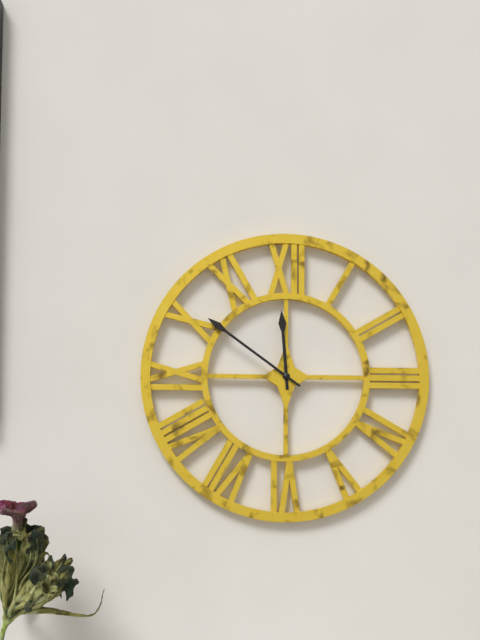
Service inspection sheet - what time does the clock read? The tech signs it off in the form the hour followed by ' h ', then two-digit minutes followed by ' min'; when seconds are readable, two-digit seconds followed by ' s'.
11 h 51 min
